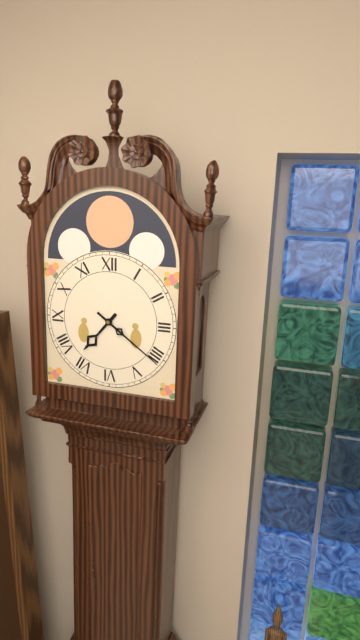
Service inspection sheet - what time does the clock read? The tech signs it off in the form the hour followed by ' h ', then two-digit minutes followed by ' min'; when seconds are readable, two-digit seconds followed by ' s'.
7 h 21 min
